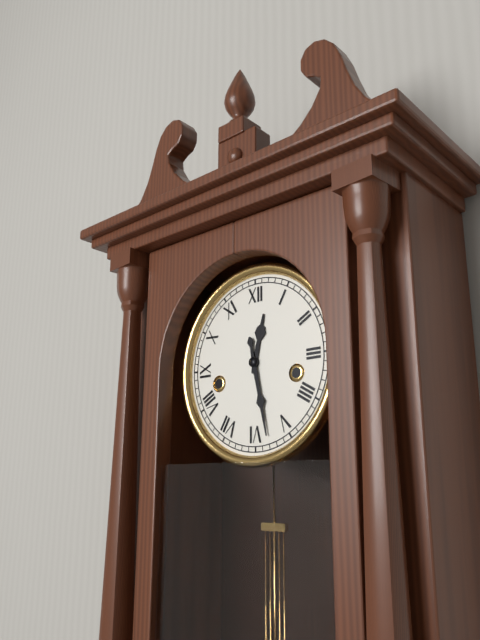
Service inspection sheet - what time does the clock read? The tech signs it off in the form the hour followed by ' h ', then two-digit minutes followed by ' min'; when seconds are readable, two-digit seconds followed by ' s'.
12 h 28 min
